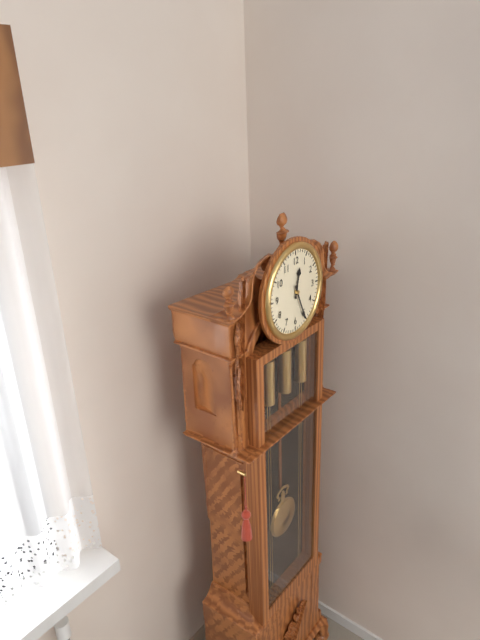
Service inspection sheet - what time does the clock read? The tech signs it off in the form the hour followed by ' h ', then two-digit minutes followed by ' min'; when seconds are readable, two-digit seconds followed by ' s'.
12 h 26 min
